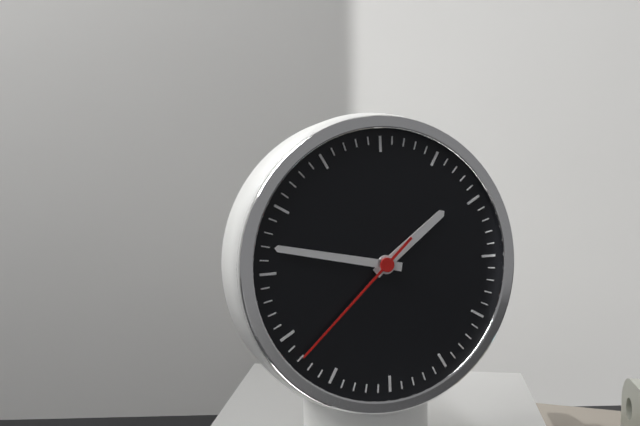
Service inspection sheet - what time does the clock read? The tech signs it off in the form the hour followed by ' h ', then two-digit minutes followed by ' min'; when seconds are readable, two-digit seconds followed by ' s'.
1 h 47 min 38 s
